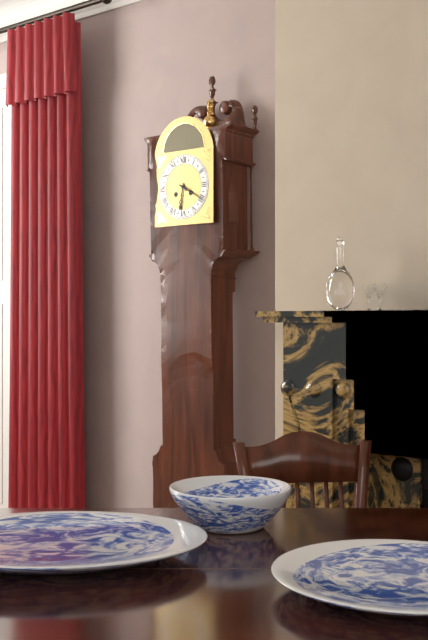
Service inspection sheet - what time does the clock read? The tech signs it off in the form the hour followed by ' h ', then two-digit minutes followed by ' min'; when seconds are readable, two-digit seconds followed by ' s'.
6 h 20 min
